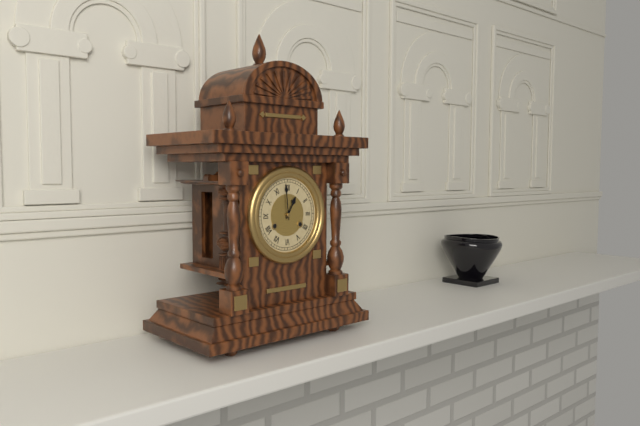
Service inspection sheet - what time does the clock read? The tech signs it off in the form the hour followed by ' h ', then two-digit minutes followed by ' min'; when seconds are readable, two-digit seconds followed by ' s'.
12 h 59 min
